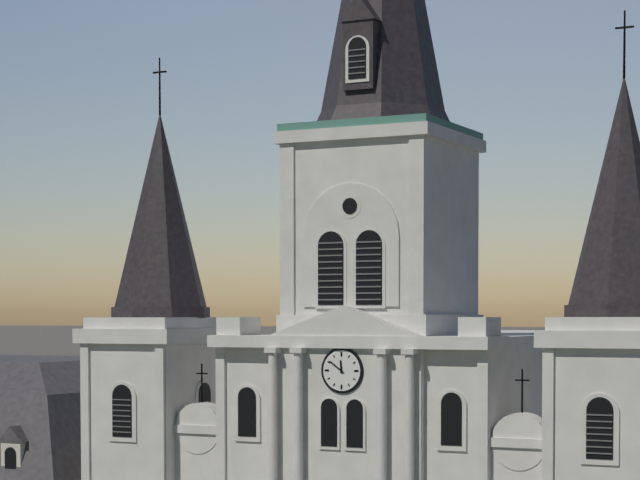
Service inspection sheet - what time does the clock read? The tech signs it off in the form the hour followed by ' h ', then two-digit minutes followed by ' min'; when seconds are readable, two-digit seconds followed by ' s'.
11 h 51 min
